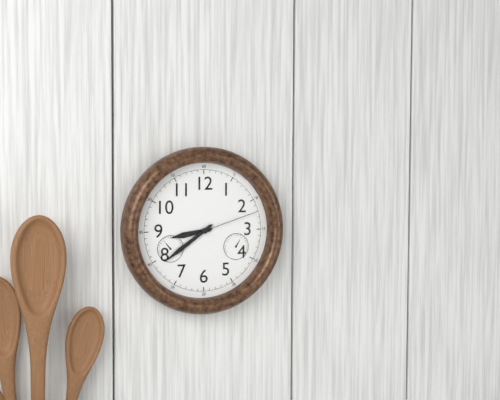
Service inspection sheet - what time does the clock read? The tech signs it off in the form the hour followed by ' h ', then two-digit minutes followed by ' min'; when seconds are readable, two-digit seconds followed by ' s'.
8 h 39 min 12 s
